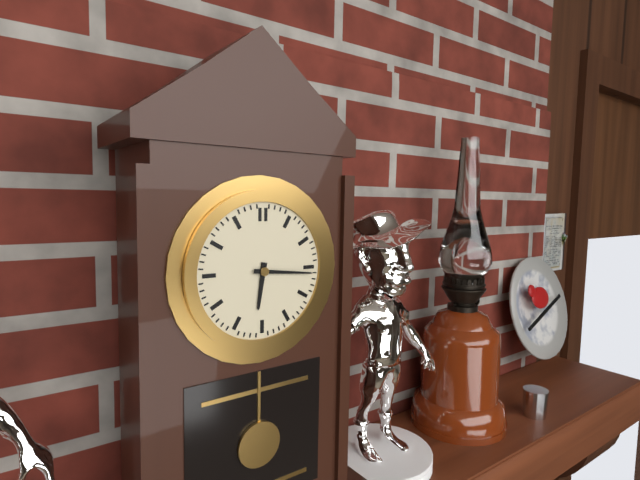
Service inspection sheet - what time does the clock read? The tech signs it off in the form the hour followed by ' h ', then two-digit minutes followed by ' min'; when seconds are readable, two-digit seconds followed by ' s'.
6 h 16 min
